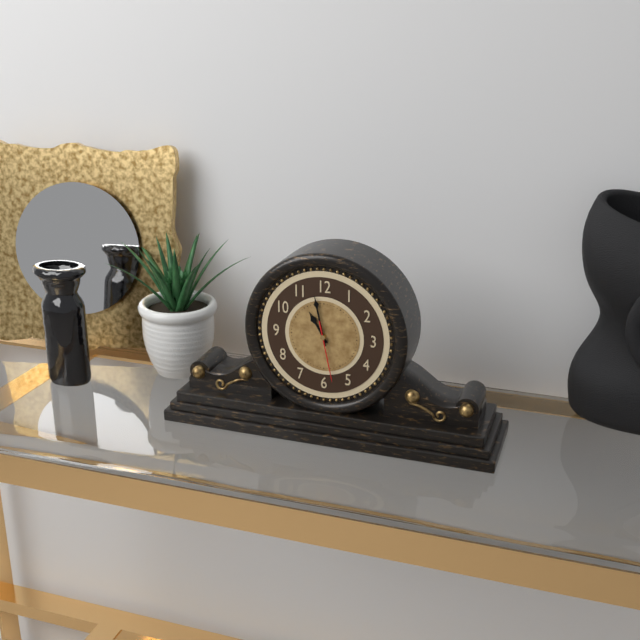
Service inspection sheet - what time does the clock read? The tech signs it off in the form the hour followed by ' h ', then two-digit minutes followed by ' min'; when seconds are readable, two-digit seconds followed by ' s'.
10 h 58 min 28 s
